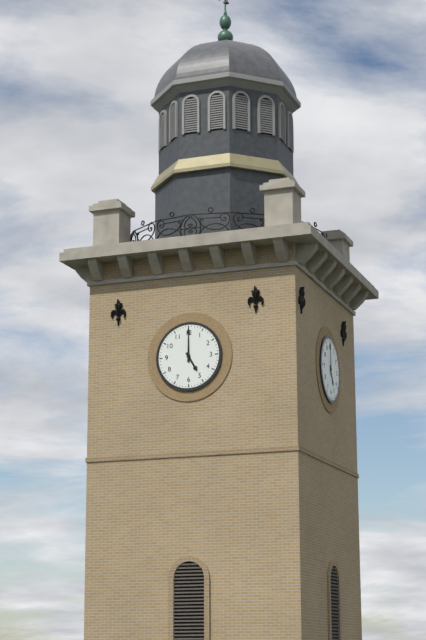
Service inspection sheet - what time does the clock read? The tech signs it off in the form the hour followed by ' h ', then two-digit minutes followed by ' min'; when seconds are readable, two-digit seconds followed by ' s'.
5 h 00 min
